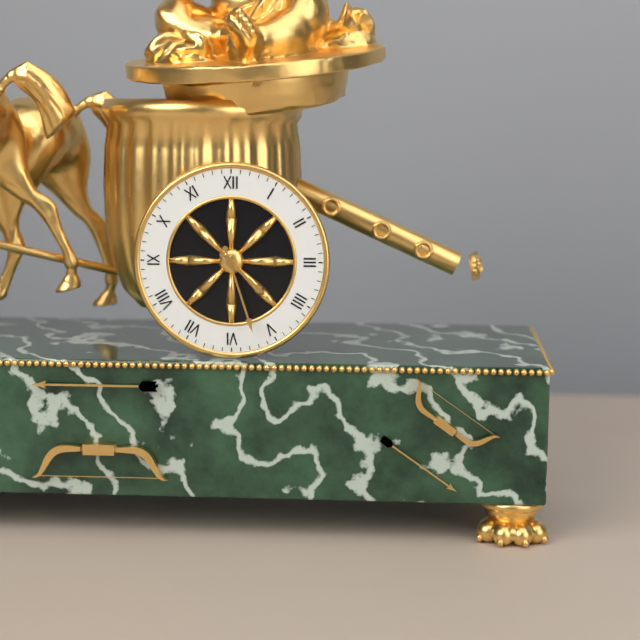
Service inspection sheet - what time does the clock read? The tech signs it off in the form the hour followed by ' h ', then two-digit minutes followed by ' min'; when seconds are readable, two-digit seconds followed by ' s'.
4 h 27 min
